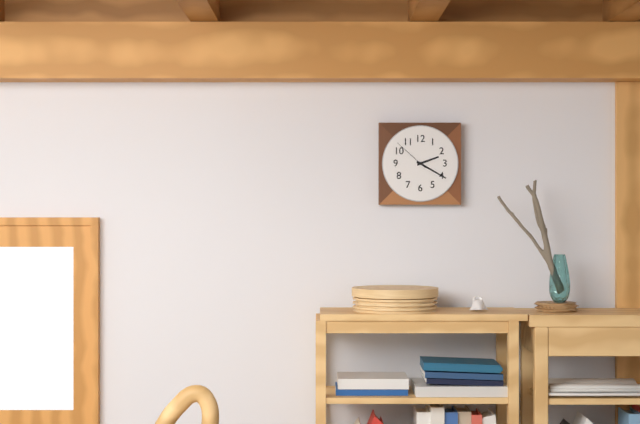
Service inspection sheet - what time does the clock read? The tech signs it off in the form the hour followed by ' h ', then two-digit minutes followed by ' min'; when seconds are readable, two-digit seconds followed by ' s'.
2 h 20 min
